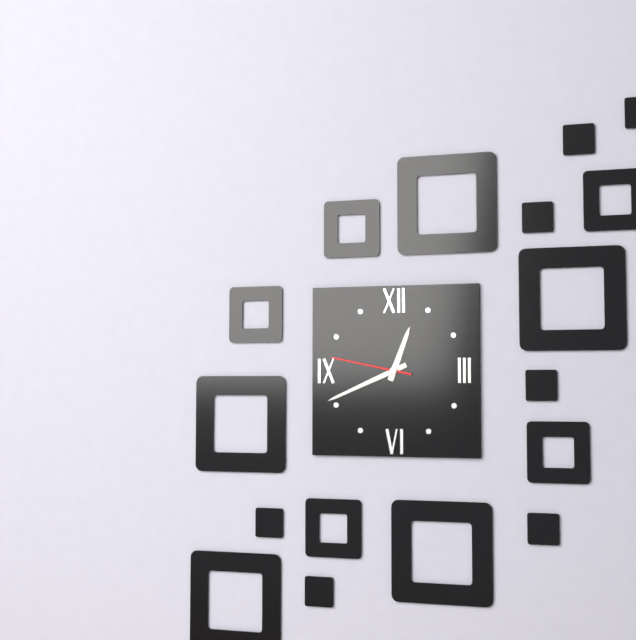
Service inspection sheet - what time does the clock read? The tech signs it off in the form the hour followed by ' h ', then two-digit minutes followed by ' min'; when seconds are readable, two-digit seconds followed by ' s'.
12 h 41 min 47 s
